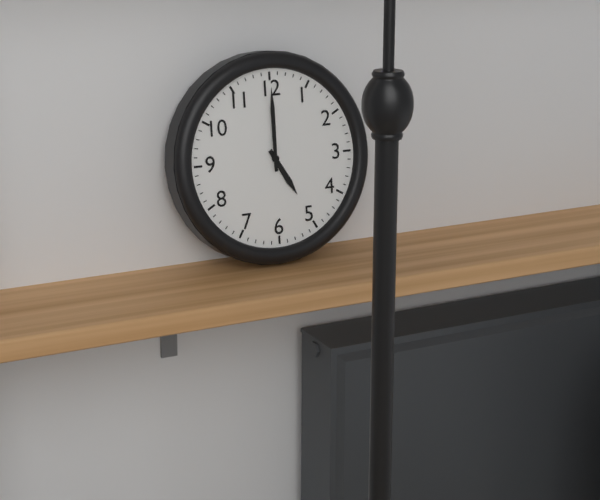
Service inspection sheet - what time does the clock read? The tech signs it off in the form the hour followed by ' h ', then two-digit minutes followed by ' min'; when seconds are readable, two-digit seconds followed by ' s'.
5 h 00 min
